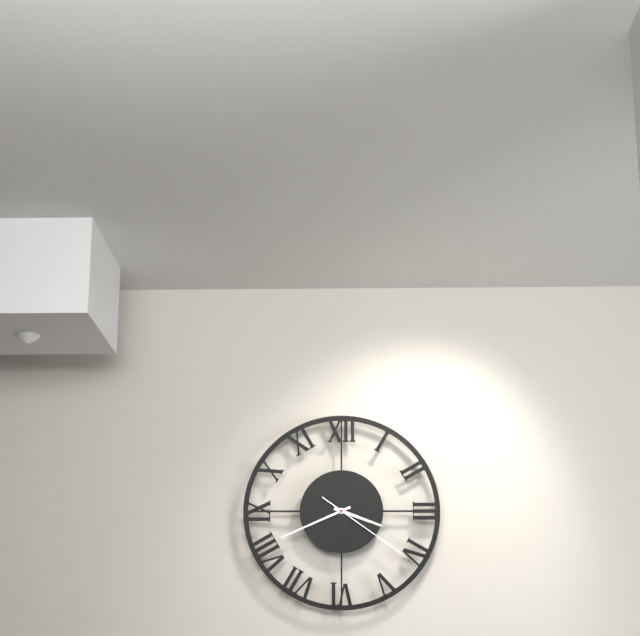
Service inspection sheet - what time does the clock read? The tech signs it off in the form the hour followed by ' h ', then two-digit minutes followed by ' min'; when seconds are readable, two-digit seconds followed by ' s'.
3 h 41 min 21 s
